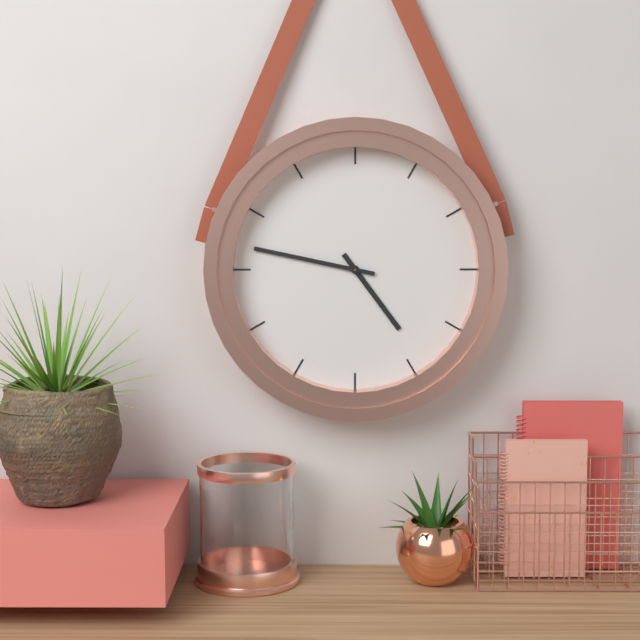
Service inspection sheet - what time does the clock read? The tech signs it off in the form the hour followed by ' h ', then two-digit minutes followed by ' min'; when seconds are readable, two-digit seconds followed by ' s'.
4 h 47 min
